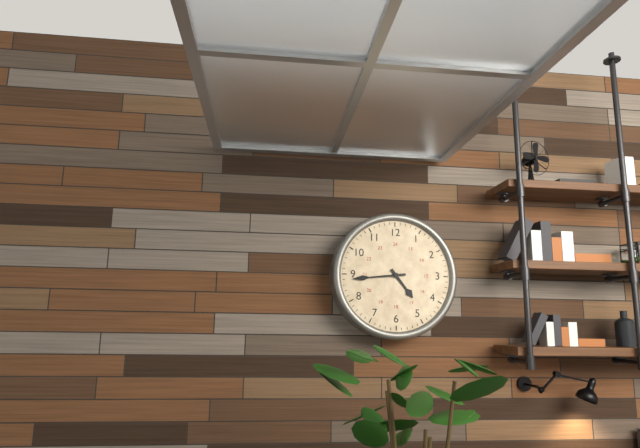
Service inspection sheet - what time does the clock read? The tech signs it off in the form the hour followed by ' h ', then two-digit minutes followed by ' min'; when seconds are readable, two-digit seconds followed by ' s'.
4 h 44 min
